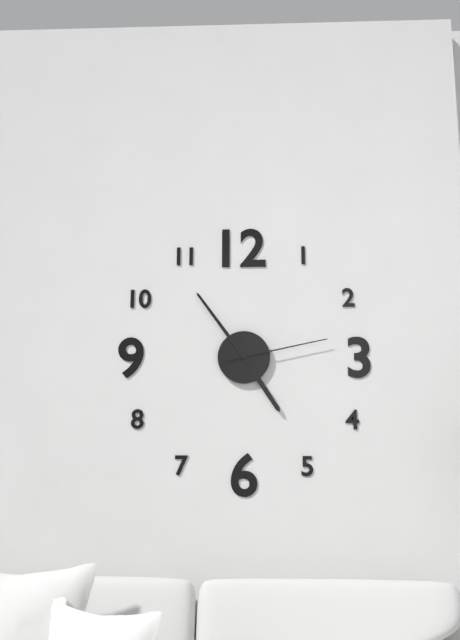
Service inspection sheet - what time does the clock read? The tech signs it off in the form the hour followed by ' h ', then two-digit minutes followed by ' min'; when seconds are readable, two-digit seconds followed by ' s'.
4 h 54 min 13 s
